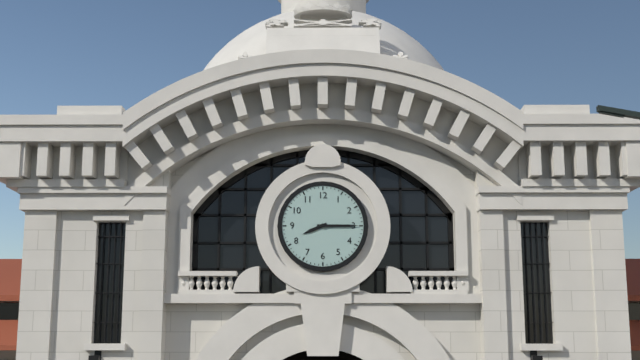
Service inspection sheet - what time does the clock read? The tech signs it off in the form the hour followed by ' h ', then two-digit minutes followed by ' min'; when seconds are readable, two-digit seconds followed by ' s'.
8 h 15 min
